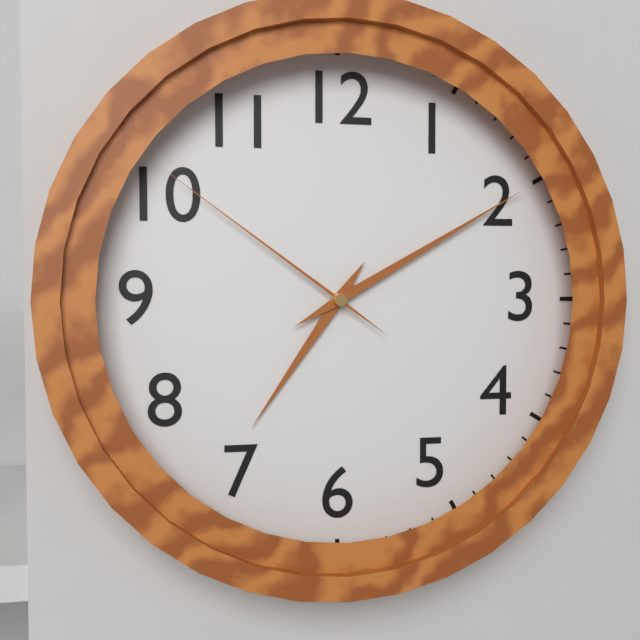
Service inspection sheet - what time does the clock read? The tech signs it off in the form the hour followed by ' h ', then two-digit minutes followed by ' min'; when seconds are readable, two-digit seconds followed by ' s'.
7 h 10 min 51 s
